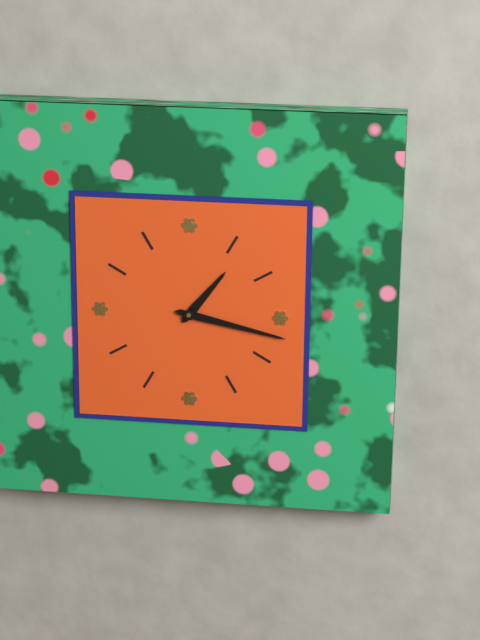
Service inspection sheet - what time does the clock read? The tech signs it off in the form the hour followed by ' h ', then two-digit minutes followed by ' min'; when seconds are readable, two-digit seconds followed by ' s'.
1 h 17 min
